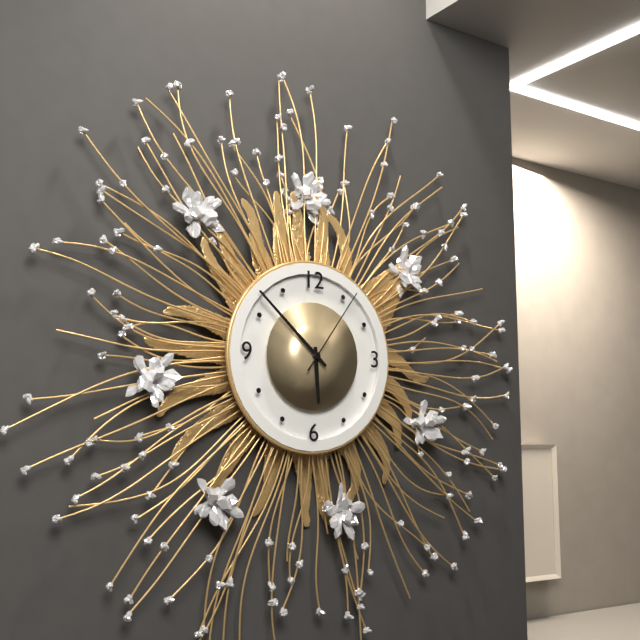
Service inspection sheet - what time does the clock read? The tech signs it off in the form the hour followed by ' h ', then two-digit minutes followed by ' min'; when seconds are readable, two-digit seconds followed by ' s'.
5 h 52 min 06 s
